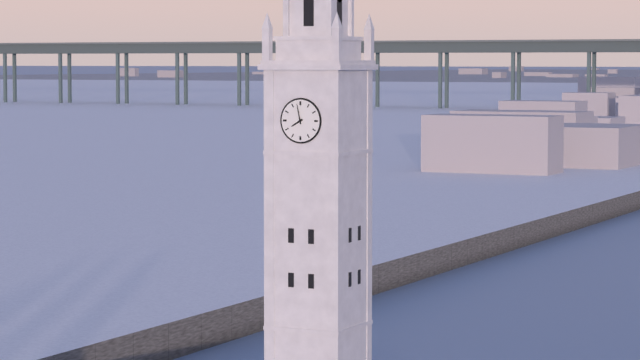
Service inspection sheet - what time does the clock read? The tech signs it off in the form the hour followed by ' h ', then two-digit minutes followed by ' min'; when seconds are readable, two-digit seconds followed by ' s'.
7 h 58 min
